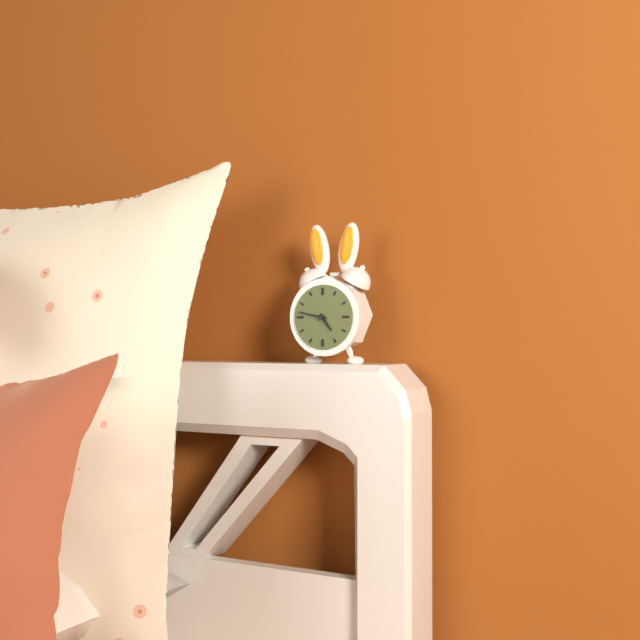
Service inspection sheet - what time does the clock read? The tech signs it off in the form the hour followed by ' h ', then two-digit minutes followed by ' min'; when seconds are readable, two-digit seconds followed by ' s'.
4 h 47 min
